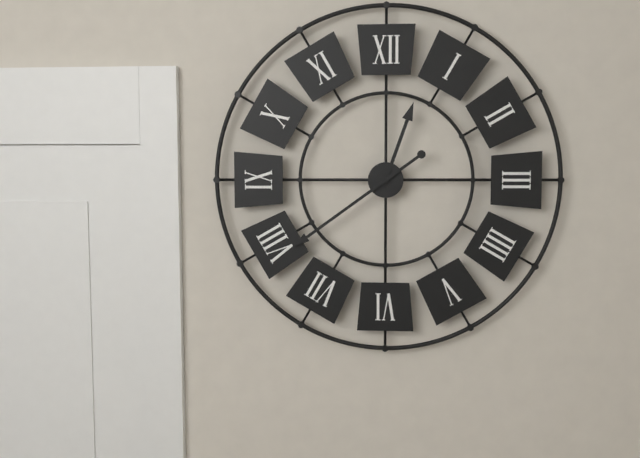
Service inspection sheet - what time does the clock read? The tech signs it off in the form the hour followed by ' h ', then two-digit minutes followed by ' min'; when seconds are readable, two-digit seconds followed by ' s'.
12 h 39 min
